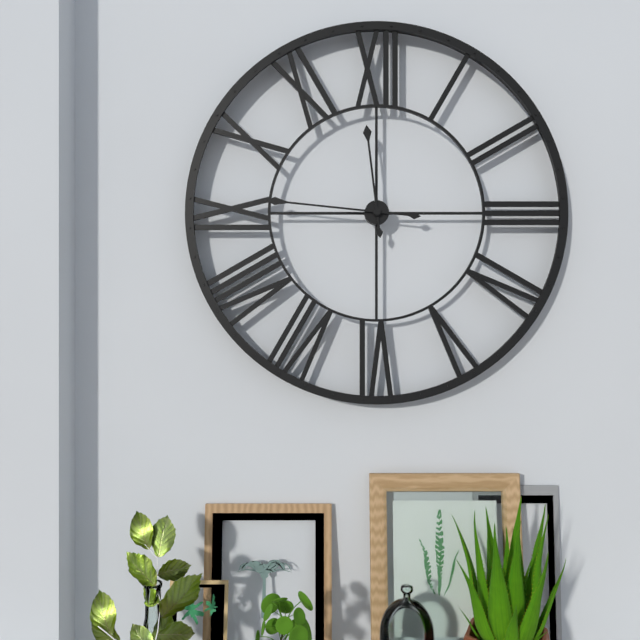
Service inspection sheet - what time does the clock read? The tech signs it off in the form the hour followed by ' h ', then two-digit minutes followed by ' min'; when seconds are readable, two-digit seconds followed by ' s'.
11 h 46 min
